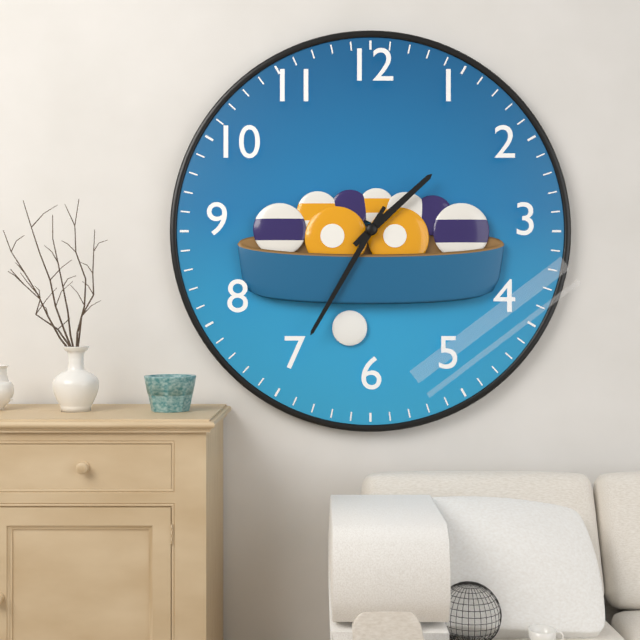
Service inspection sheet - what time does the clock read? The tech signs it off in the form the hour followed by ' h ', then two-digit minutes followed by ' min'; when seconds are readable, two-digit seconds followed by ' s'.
1 h 35 min
